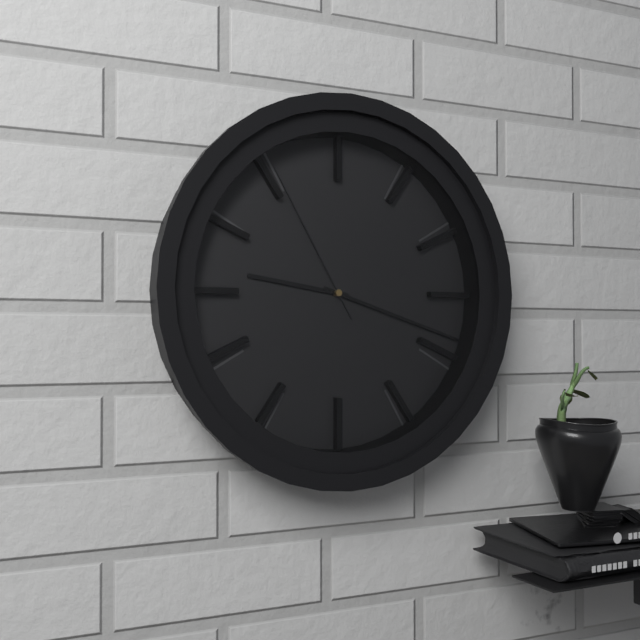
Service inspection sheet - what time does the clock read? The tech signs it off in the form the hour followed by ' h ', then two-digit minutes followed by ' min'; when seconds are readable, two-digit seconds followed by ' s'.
9 h 18 min 55 s
